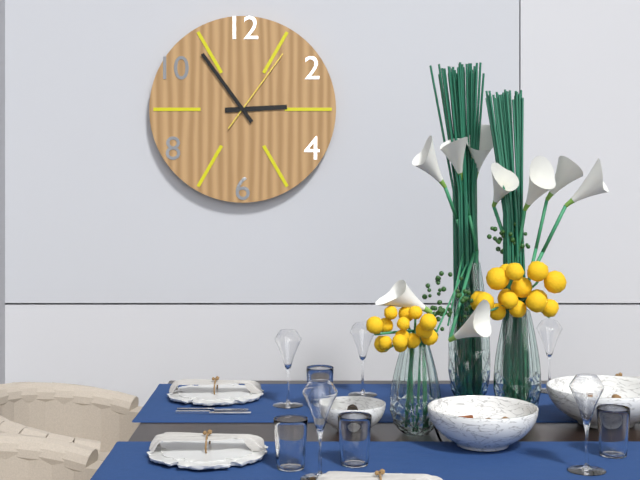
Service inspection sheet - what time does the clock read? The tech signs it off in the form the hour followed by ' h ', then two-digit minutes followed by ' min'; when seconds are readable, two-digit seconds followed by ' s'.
2 h 54 min 06 s
